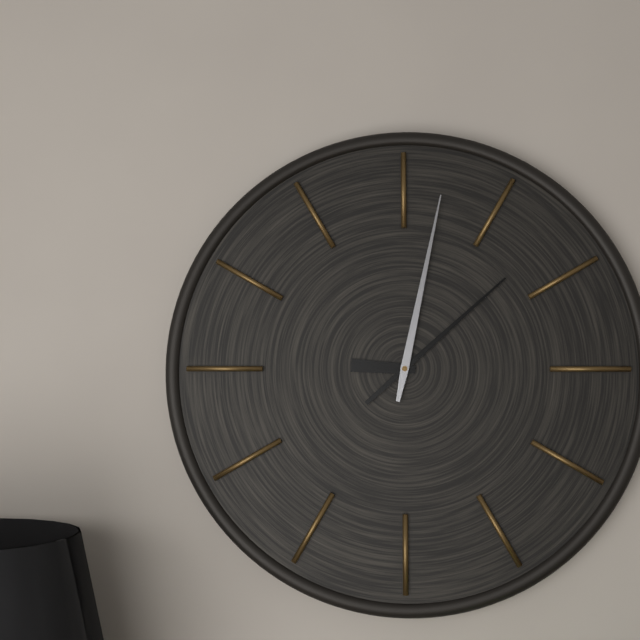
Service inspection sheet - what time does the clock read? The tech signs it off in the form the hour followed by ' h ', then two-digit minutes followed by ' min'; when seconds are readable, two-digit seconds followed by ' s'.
9 h 08 min 02 s
